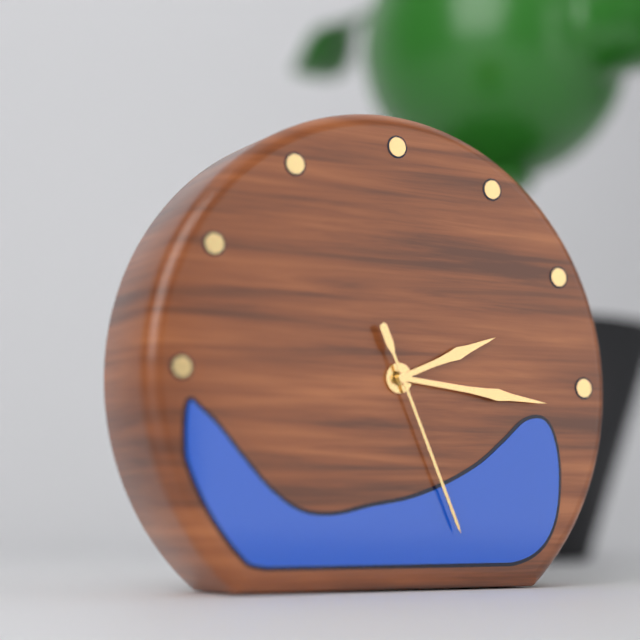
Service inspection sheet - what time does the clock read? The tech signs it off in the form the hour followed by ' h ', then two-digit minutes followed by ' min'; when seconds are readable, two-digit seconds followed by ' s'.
2 h 16 min 26 s
